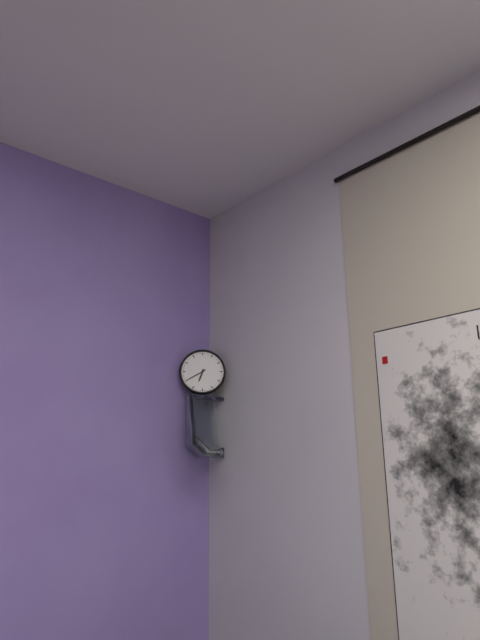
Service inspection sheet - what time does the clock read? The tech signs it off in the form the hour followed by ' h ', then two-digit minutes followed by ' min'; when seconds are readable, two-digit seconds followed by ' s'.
6 h 40 min
